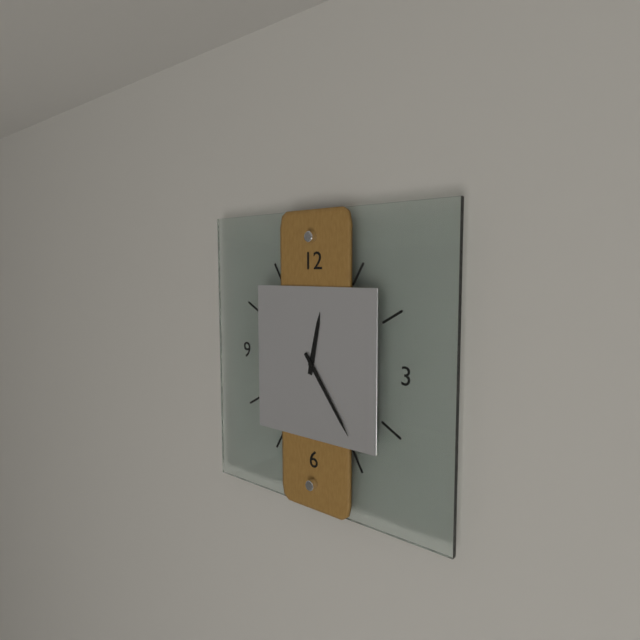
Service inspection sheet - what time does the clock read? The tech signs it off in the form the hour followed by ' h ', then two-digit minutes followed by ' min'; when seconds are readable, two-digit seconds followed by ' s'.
12 h 24 min
